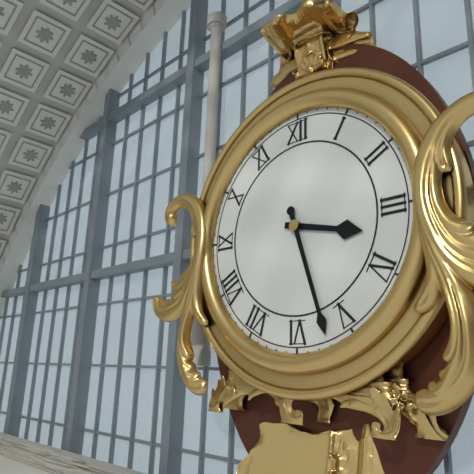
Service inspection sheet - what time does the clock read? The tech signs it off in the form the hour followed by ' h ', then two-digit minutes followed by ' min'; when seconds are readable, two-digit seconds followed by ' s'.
3 h 27 min
